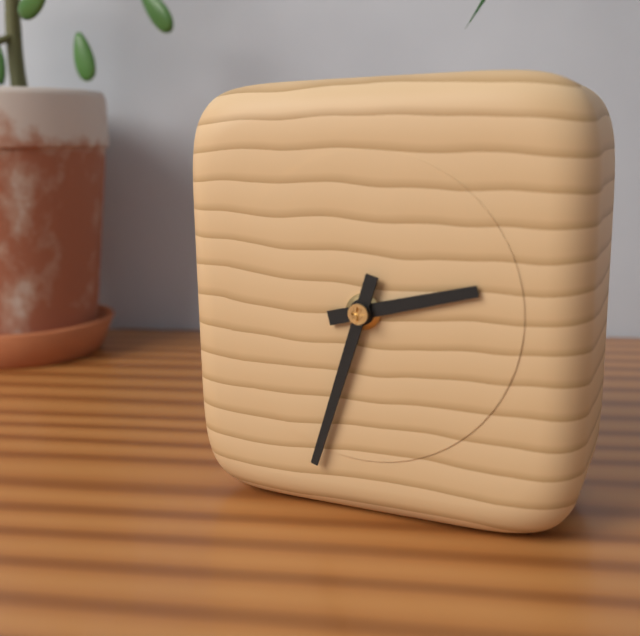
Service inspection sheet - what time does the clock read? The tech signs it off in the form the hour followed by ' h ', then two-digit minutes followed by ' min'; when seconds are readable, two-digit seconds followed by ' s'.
2 h 33 min
